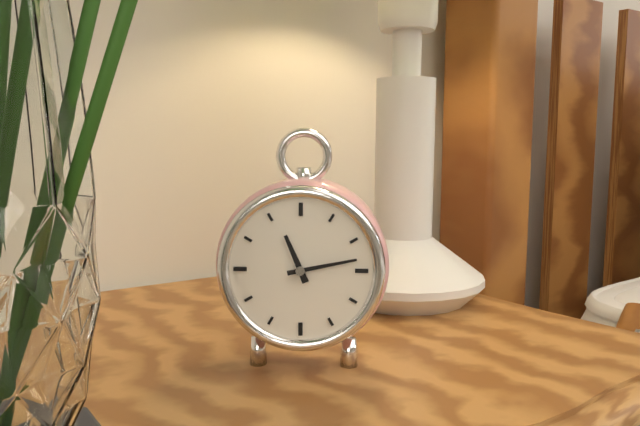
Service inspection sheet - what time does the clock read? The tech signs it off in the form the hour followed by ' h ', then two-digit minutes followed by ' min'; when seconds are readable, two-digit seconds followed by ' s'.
11 h 13 min
